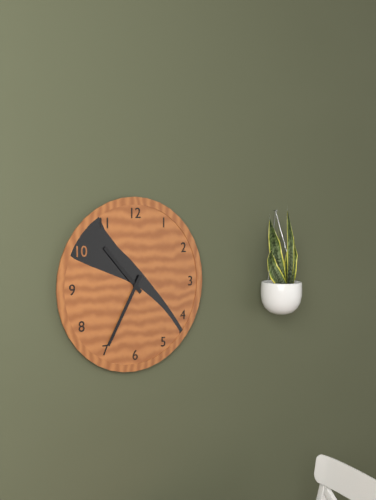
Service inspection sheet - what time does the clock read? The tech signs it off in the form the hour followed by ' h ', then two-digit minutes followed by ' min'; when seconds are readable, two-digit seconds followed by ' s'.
10 h 35 min
